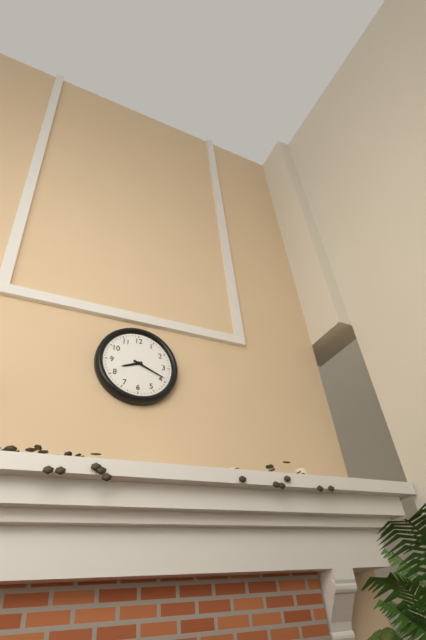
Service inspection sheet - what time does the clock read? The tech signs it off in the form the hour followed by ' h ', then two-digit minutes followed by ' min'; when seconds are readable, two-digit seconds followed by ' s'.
8 h 19 min
